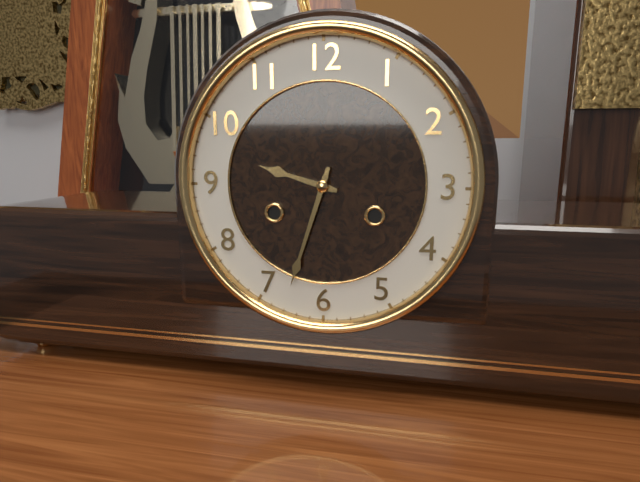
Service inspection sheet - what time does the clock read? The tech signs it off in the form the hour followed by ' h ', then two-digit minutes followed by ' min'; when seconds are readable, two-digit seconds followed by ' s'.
9 h 33 min
